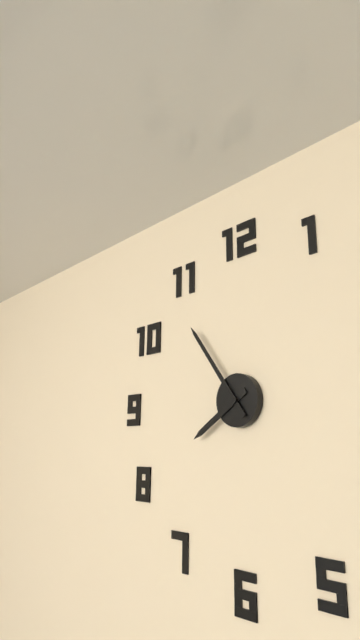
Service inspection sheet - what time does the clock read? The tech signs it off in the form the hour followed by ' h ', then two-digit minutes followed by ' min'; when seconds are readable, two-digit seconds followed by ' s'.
7 h 54 min
